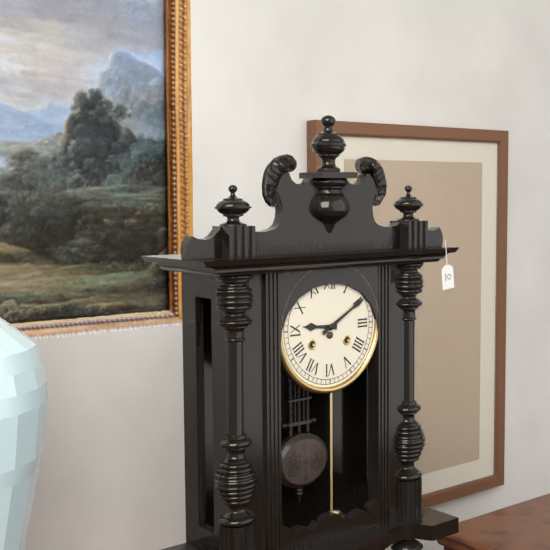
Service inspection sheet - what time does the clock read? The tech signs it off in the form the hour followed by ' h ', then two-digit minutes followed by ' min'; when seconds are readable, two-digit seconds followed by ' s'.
9 h 10 min
